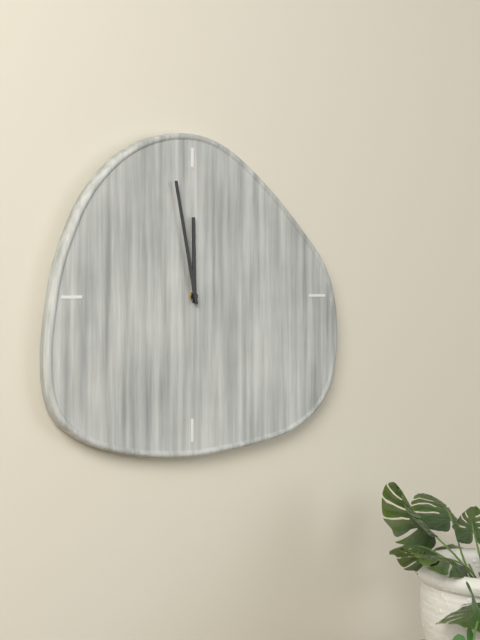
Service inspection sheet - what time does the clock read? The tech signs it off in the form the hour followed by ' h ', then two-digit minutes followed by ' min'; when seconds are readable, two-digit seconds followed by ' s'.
11 h 58 min
